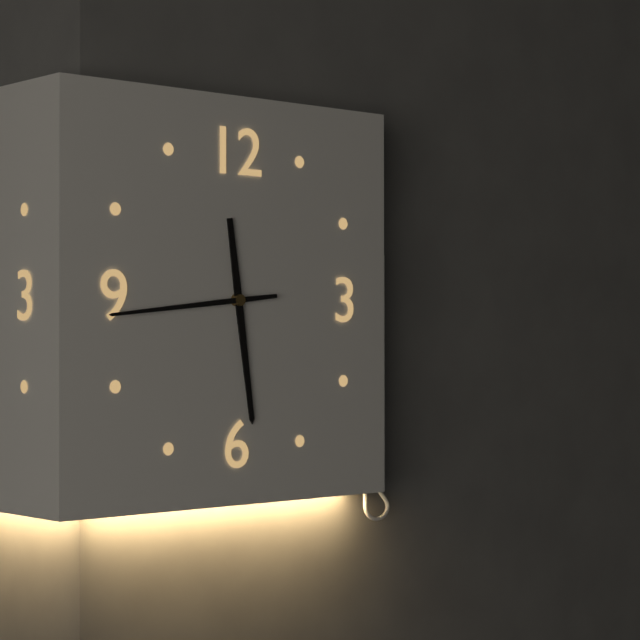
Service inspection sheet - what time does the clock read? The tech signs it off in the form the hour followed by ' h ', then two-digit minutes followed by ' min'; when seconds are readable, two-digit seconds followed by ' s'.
5 h 44 min
